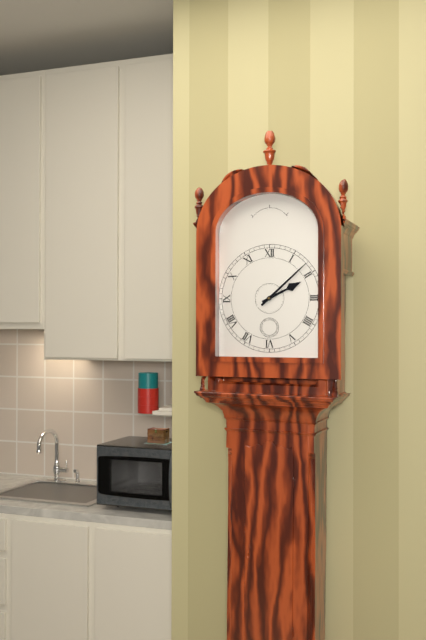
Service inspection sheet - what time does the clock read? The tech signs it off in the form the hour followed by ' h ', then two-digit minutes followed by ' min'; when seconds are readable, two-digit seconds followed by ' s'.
2 h 08 min
